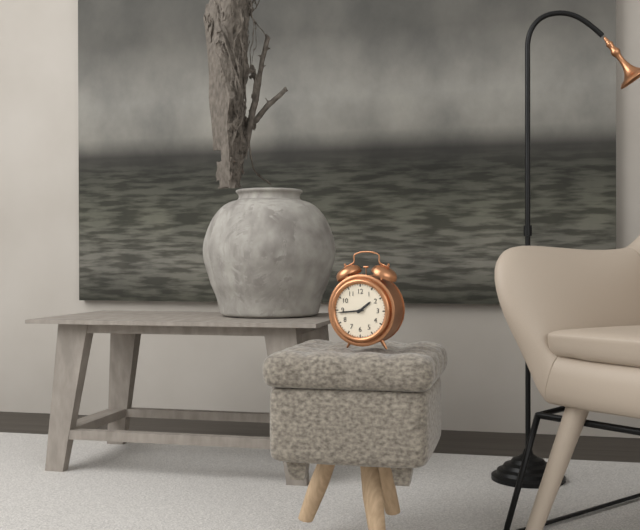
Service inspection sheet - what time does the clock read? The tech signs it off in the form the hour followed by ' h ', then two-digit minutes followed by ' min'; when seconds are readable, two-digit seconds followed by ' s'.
1 h 44 min
